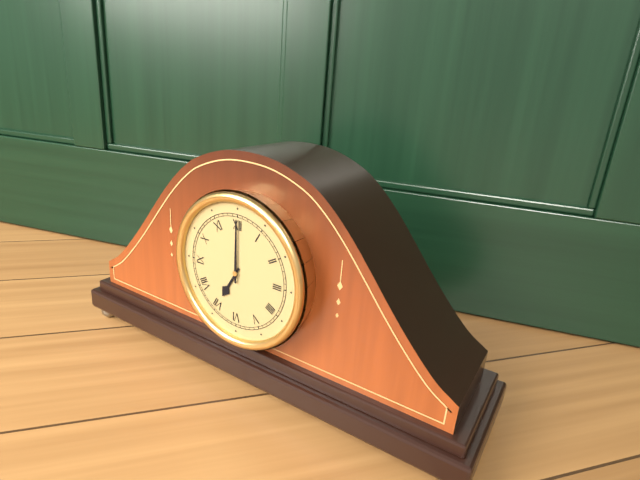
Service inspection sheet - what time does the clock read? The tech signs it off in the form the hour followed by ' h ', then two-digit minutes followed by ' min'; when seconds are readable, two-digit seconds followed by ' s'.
7 h 00 min
